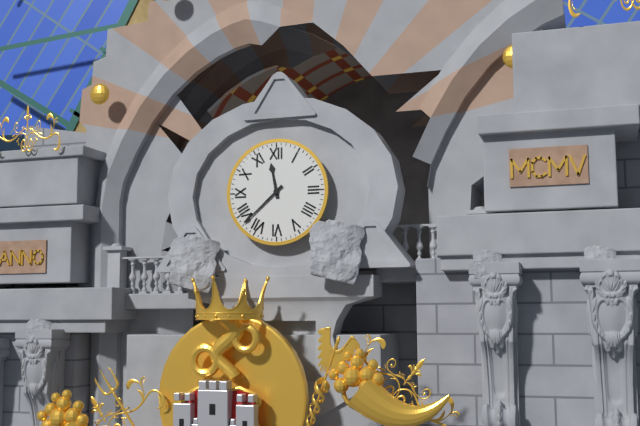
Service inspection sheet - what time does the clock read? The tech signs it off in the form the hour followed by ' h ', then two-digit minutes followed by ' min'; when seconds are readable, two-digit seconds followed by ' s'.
11 h 38 min
